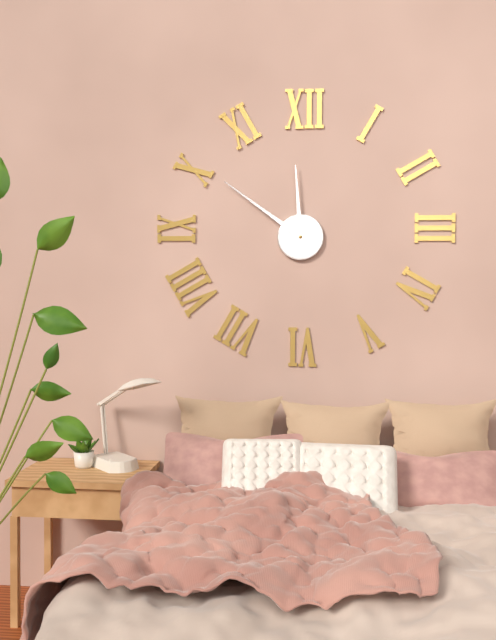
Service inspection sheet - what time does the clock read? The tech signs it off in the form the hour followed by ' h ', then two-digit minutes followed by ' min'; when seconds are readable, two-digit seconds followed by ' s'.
11 h 51 min
